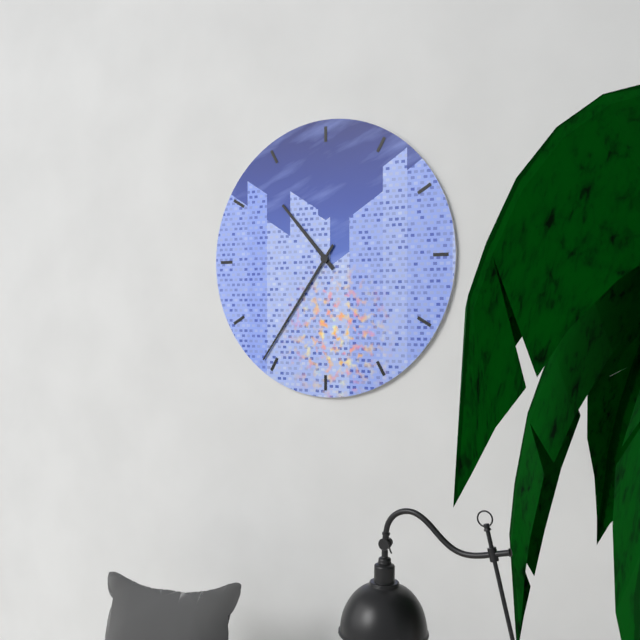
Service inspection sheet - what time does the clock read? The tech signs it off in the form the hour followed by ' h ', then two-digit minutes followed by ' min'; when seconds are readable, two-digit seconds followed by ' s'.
10 h 36 min
